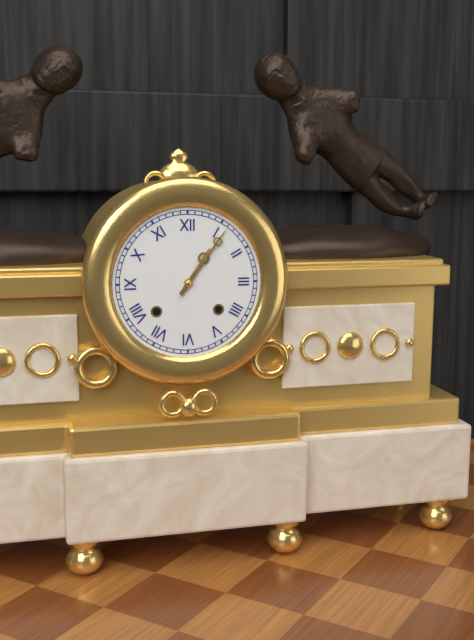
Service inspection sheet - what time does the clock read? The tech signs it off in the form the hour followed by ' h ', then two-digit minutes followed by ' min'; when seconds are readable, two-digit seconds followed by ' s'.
1 h 06 min
